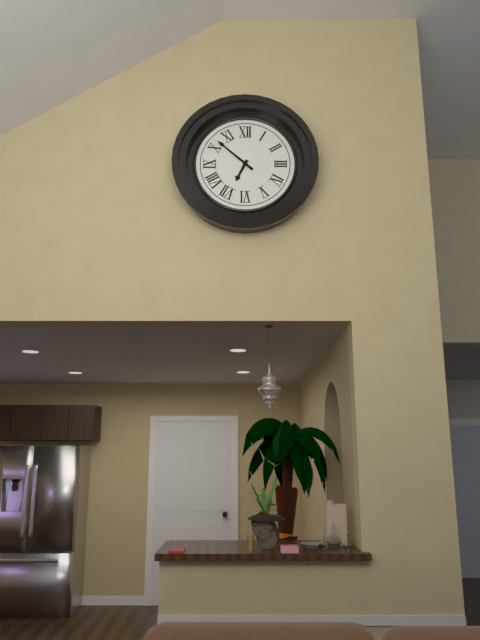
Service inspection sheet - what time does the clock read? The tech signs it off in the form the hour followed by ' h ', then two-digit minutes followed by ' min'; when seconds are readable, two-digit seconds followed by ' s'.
6 h 52 min
